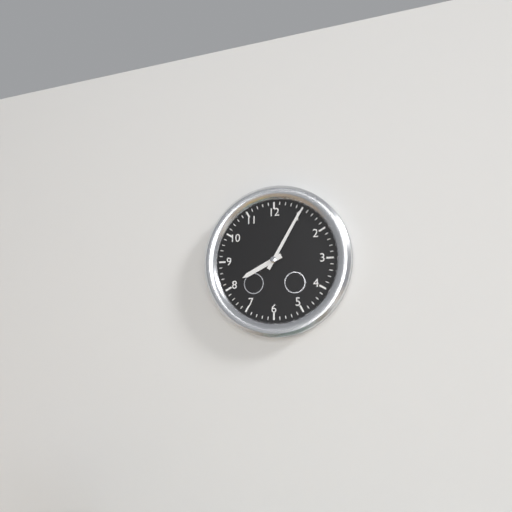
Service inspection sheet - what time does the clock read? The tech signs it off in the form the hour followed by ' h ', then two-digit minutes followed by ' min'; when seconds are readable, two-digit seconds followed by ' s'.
8 h 05 min
